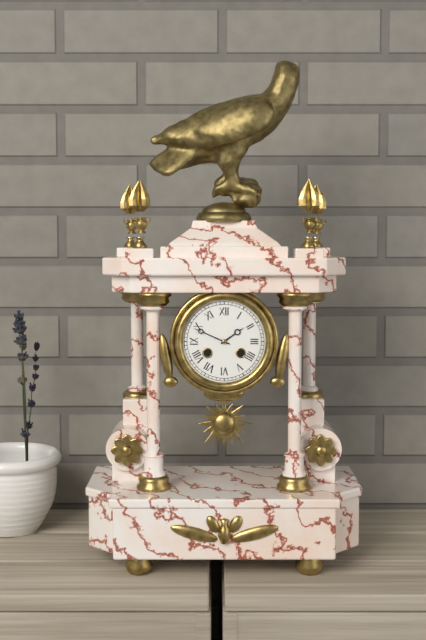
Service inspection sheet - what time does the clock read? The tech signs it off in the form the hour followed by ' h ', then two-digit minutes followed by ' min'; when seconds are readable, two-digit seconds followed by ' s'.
1 h 49 min
